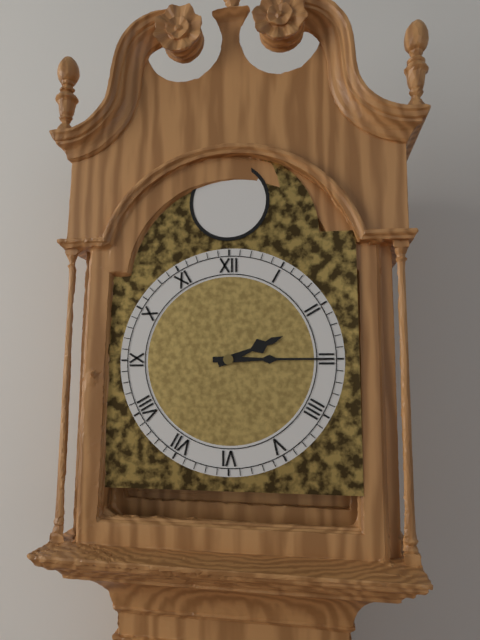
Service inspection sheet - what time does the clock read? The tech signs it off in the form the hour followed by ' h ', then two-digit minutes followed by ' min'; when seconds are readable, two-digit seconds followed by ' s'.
2 h 15 min
